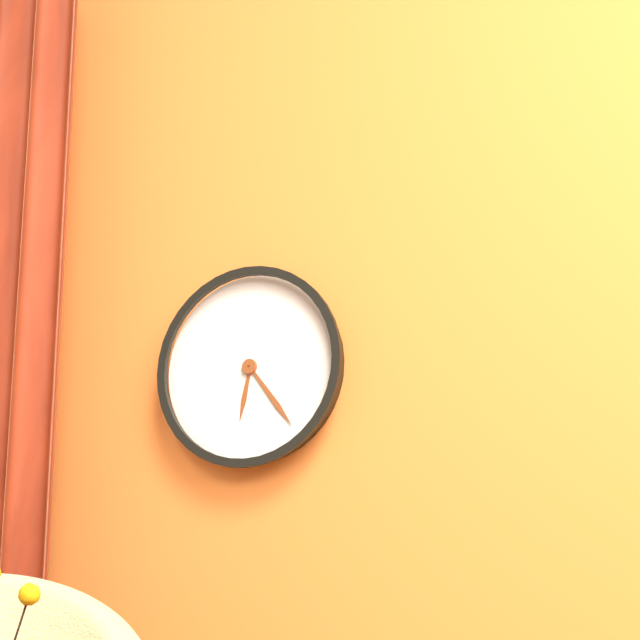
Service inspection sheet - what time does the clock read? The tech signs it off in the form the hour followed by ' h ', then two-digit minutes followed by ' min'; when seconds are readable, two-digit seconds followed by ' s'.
6 h 24 min
